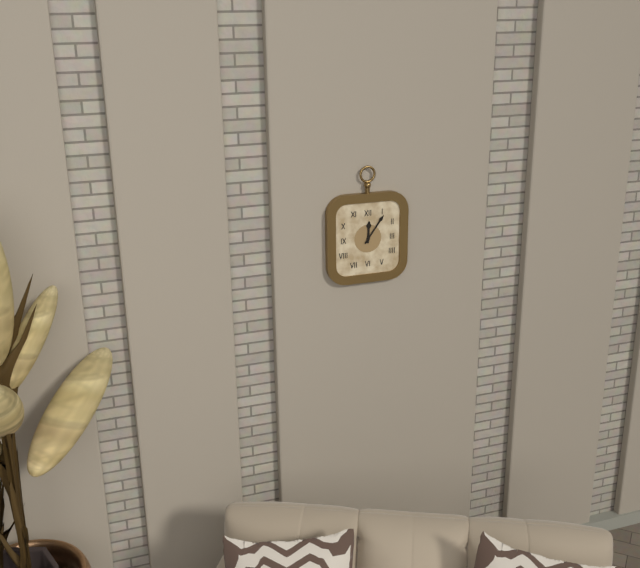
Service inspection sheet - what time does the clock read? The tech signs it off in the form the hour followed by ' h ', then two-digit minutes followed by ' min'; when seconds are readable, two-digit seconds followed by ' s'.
12 h 06 min
